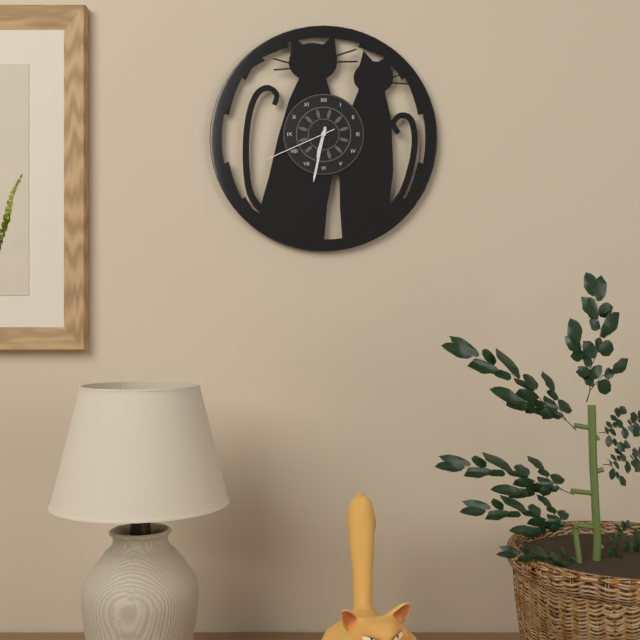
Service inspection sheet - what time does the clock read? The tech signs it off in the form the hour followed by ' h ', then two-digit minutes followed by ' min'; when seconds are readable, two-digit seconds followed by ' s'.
6 h 32 min 41 s
